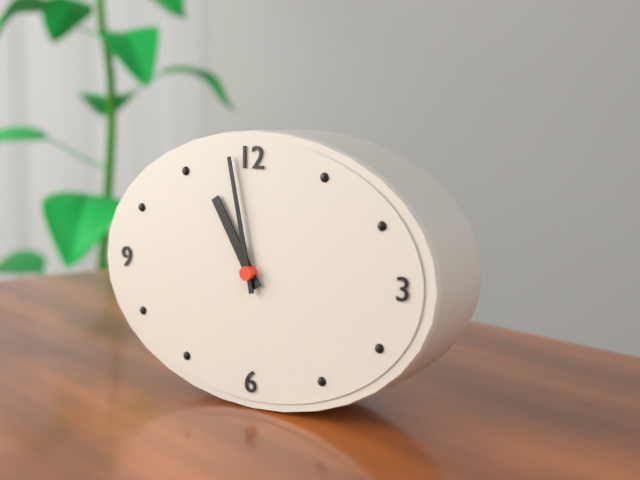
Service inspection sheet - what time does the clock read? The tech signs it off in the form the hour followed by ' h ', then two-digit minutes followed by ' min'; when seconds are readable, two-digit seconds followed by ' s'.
10 h 58 min
